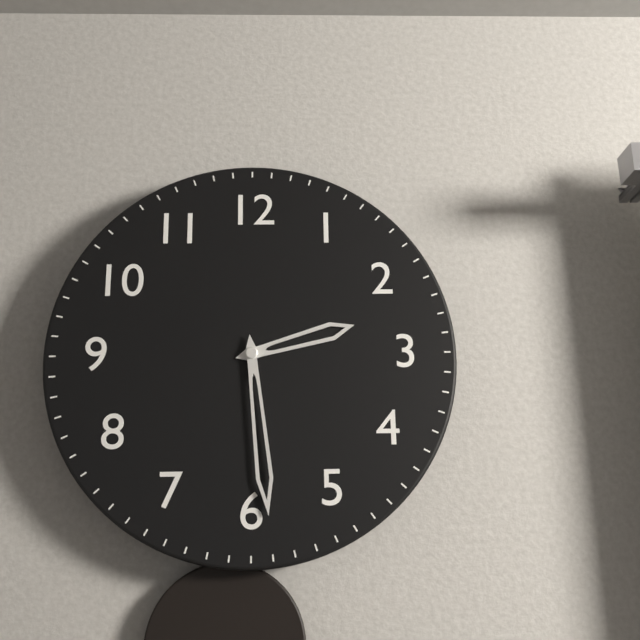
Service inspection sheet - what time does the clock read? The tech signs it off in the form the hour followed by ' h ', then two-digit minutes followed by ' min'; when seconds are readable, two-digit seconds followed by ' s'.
2 h 29 min
